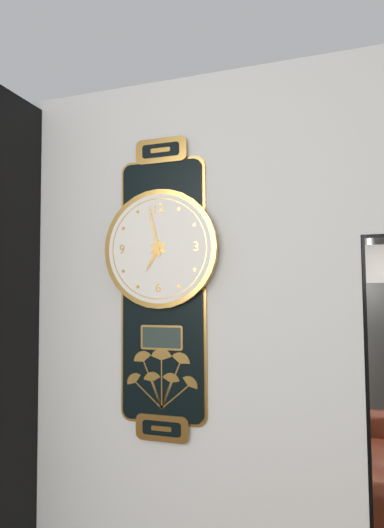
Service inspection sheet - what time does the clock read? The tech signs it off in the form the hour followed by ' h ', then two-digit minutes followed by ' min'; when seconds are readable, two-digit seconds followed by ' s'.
6 h 58 min
